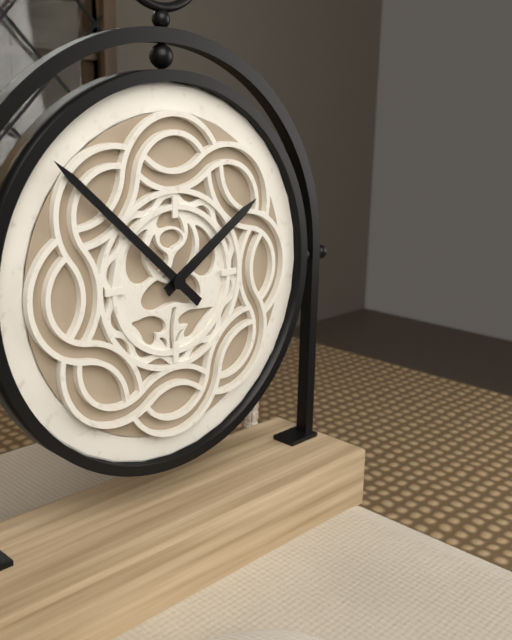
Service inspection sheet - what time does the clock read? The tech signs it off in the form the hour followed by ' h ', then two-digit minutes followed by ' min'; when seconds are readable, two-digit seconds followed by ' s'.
1 h 52 min
